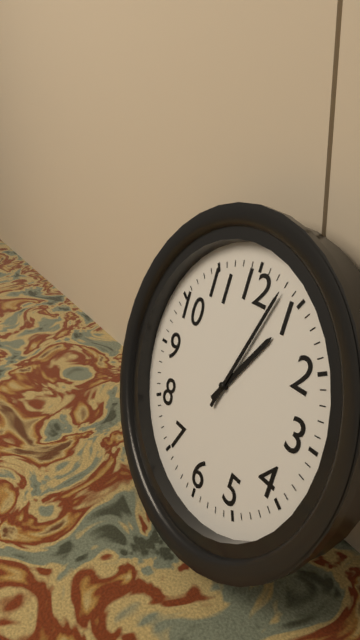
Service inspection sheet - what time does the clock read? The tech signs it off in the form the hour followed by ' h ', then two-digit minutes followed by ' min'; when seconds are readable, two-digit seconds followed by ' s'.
1 h 03 min
